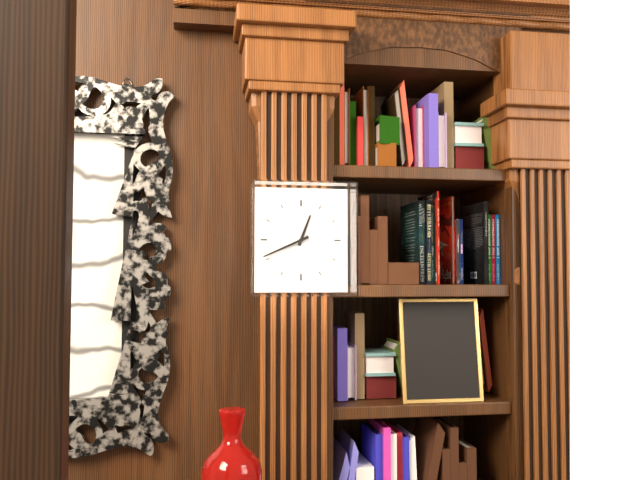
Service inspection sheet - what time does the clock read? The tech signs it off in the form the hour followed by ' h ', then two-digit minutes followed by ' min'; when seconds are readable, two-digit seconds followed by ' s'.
12 h 41 min
